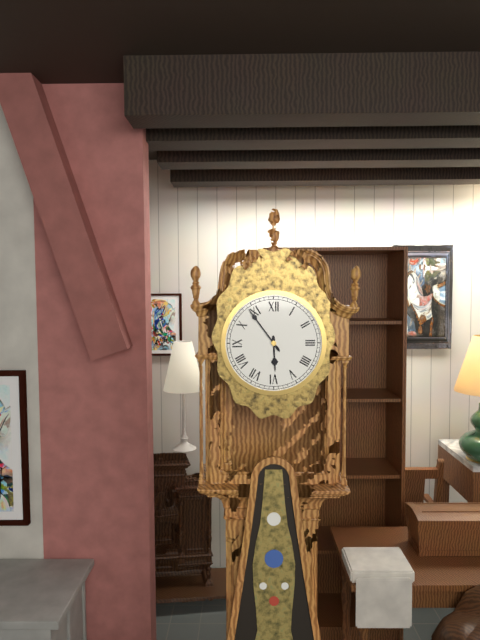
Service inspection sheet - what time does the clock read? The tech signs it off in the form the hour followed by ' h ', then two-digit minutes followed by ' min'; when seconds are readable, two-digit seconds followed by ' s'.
5 h 54 min
